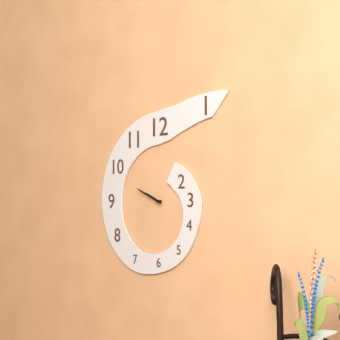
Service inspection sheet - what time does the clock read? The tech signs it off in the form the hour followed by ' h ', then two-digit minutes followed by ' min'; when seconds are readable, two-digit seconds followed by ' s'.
9 h 49 min
